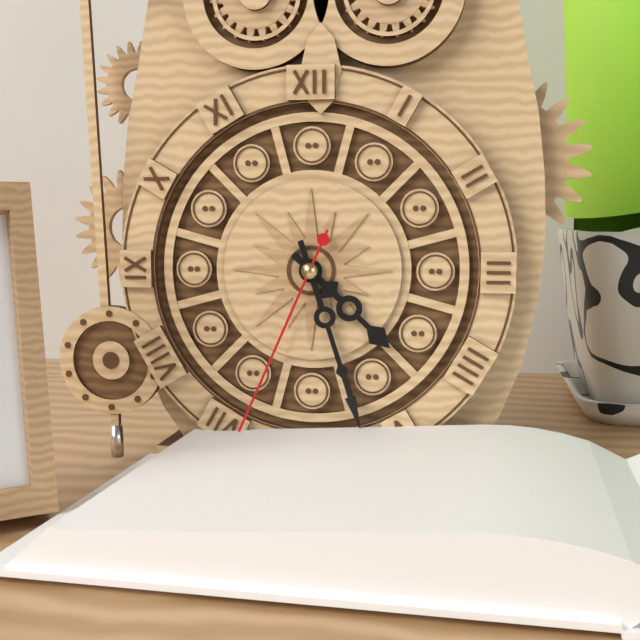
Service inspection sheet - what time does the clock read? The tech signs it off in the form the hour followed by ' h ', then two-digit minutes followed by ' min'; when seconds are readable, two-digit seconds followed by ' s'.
4 h 27 min 34 s
